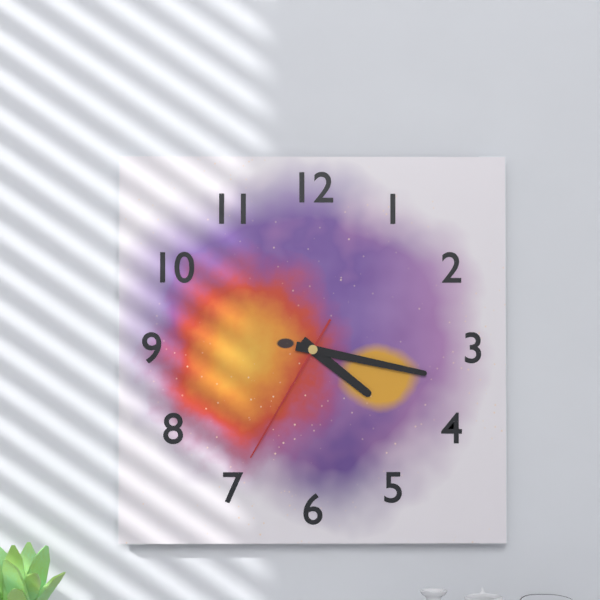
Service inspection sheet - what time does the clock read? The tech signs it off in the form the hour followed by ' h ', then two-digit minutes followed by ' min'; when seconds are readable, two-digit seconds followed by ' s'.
4 h 17 min 35 s
